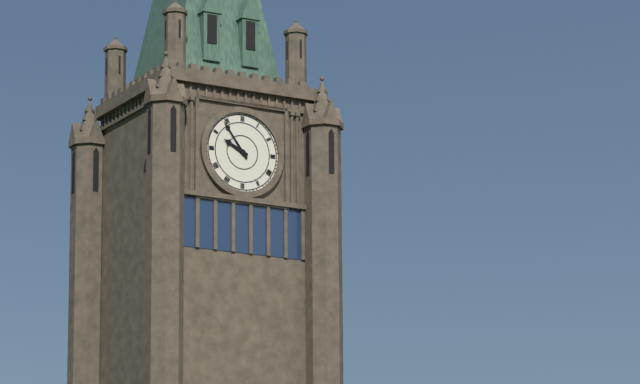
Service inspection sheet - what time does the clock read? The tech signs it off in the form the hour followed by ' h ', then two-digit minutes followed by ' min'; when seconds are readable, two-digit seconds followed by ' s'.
9 h 54 min
